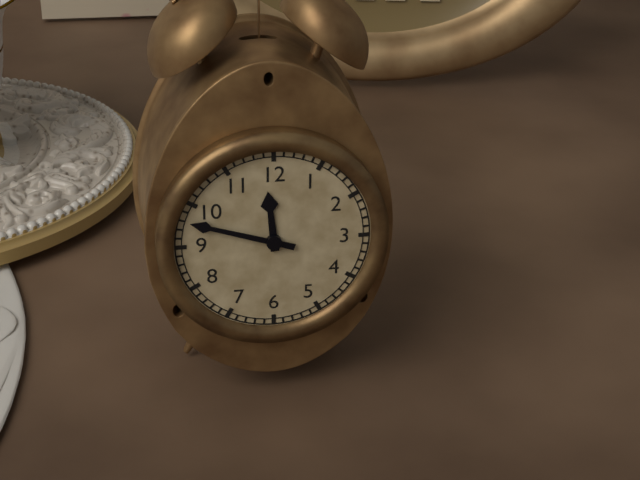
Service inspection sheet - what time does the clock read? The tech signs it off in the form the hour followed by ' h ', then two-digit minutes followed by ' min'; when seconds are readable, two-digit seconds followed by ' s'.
11 h 48 min
